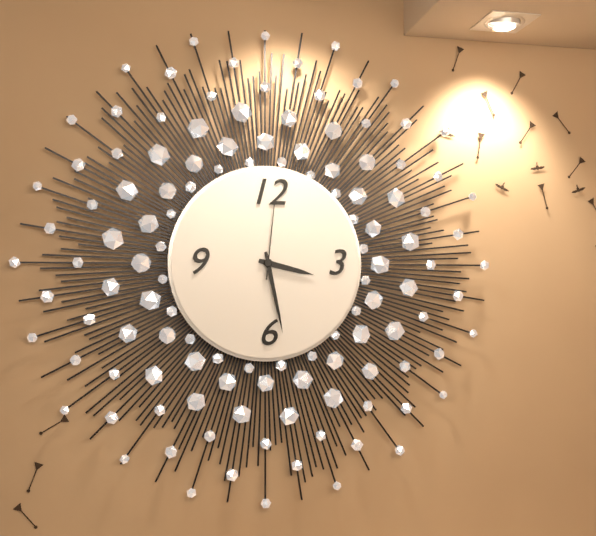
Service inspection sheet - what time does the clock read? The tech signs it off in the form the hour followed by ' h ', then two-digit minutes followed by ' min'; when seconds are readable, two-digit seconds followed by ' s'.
3 h 28 min 01 s
